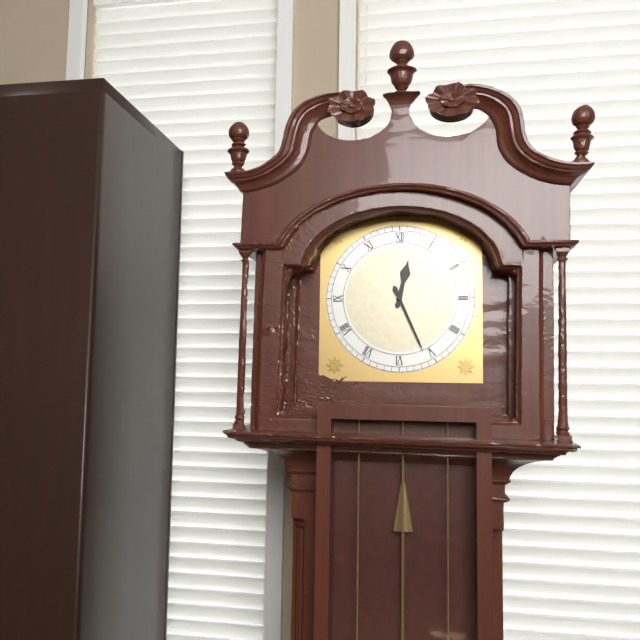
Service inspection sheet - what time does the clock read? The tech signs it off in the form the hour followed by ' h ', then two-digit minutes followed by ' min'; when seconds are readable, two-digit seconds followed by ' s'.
12 h 26 min
